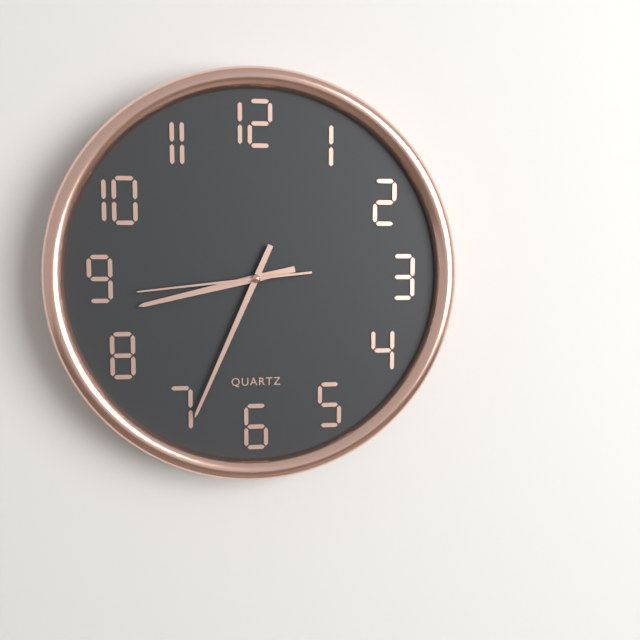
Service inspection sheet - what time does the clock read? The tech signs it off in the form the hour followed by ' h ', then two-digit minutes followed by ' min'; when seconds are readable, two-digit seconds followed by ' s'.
8 h 34 min 44 s
